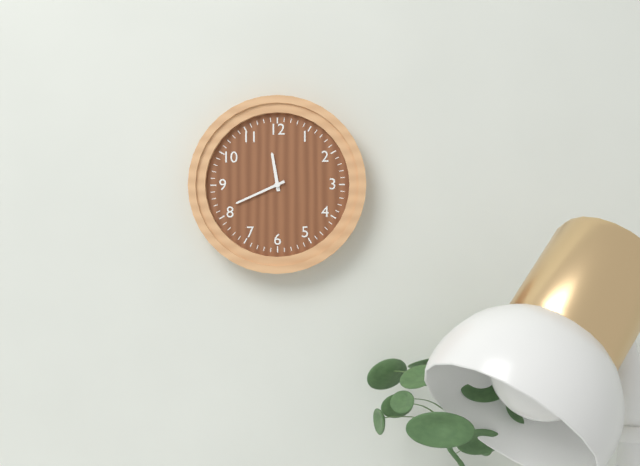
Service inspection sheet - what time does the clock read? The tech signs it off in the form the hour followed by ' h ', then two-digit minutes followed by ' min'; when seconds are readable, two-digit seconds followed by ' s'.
11 h 41 min
